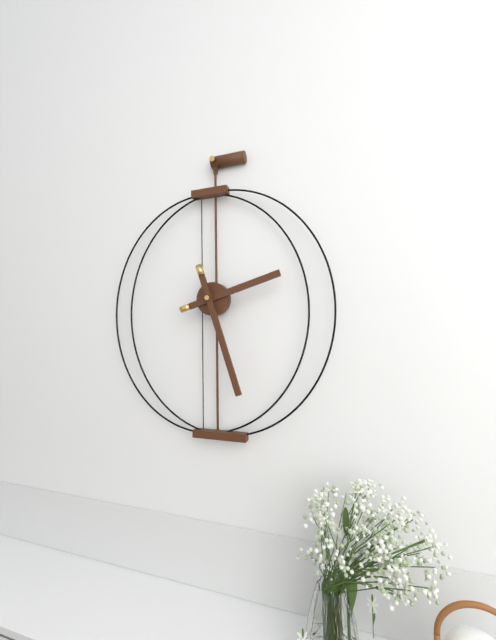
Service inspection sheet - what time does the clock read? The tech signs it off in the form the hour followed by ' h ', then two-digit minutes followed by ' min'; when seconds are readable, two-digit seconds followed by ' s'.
2 h 27 min
